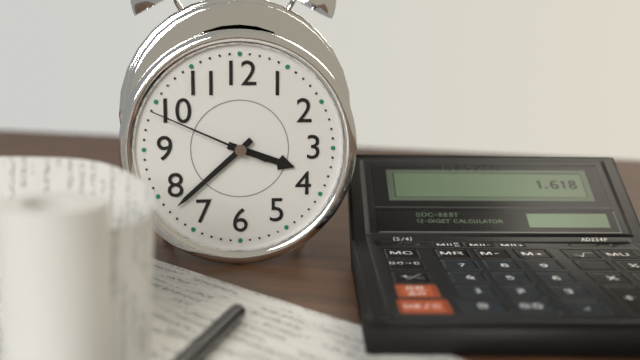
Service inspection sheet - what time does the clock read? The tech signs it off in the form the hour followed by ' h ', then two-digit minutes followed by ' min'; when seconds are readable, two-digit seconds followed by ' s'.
3 h 38 min 49 s
